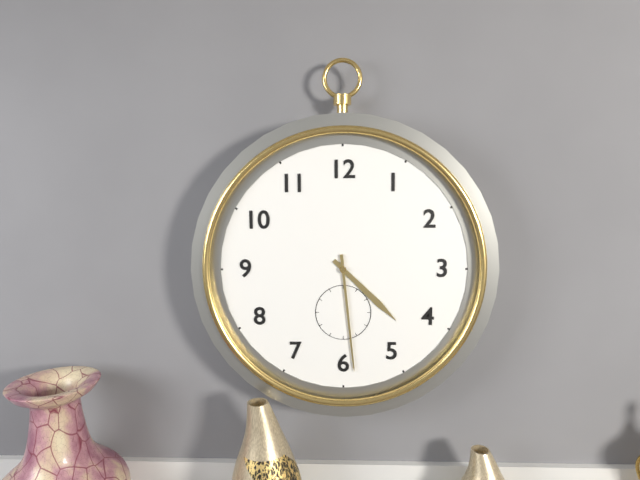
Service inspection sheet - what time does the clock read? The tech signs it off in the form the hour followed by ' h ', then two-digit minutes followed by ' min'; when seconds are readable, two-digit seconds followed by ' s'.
4 h 29 min
